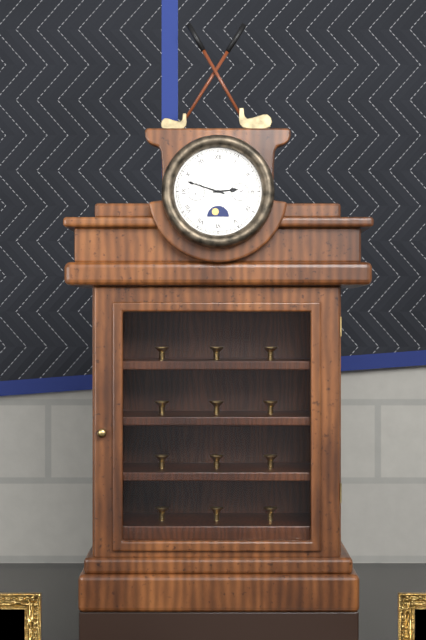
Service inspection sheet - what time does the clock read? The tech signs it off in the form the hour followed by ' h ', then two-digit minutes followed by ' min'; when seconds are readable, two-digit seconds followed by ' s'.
2 h 48 min
